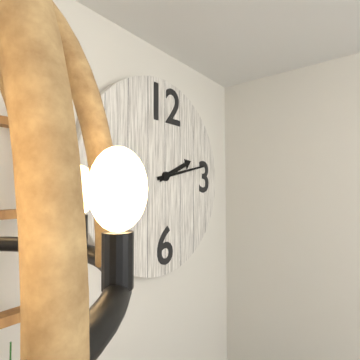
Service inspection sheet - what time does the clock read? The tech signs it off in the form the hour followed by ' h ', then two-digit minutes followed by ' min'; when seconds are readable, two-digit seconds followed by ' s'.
2 h 13 min
